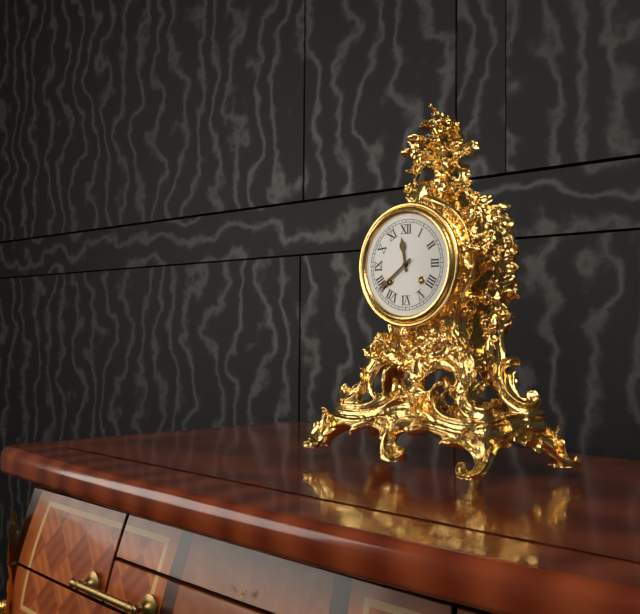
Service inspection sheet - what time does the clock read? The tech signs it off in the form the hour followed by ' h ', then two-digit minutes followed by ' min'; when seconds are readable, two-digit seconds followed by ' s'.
11 h 39 min
